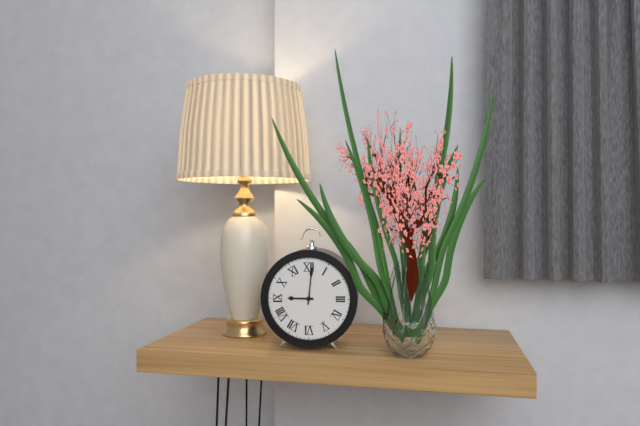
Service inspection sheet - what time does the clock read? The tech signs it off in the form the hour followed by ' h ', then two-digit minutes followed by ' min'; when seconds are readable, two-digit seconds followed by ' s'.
9 h 01 min
